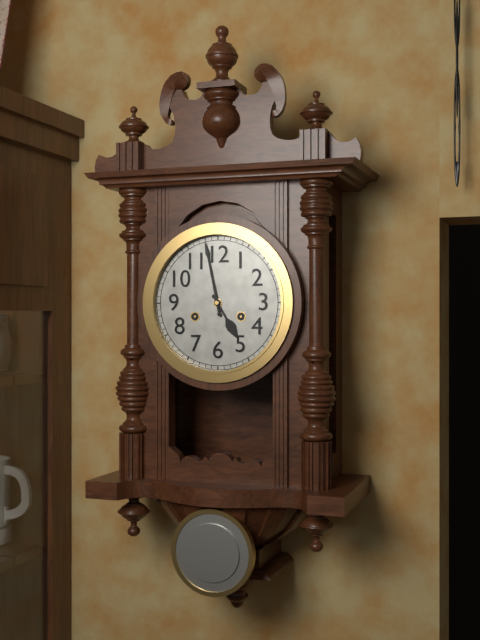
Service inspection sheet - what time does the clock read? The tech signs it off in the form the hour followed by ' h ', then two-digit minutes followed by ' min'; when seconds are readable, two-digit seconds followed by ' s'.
4 h 58 min
